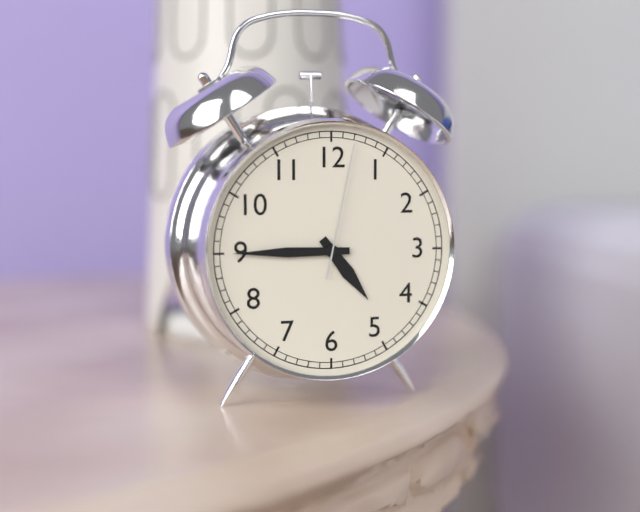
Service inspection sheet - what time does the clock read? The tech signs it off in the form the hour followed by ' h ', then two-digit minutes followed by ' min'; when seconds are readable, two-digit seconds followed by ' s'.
4 h 45 min 02 s
